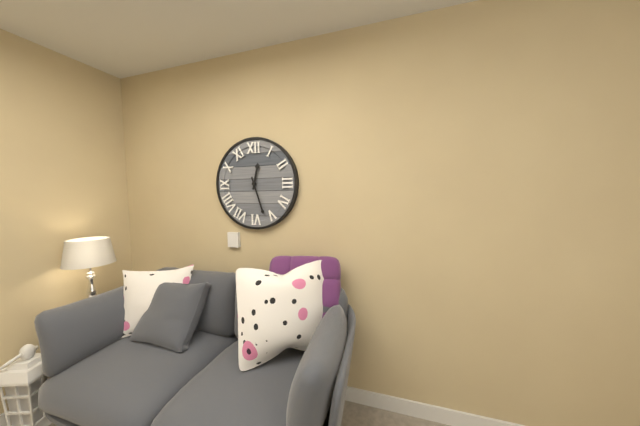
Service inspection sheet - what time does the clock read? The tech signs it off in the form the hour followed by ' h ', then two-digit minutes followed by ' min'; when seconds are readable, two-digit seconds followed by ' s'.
12 h 27 min
